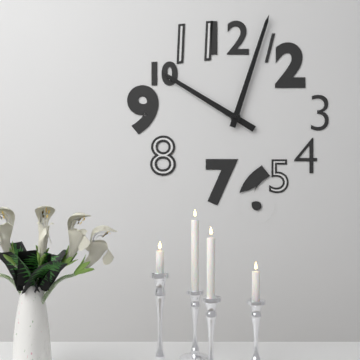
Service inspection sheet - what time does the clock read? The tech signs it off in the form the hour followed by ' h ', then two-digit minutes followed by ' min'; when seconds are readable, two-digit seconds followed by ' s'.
10 h 03 min
